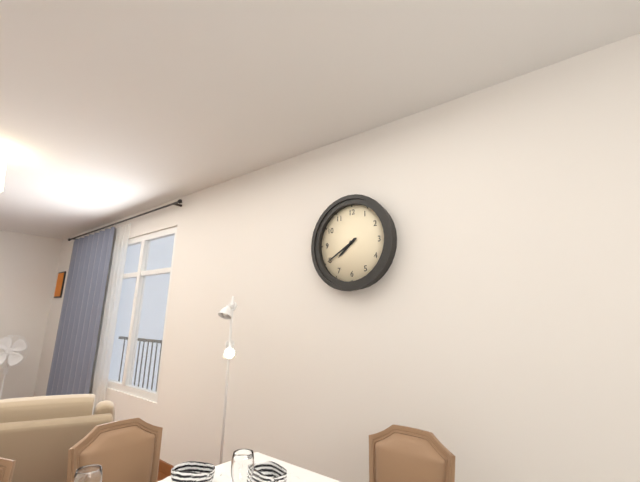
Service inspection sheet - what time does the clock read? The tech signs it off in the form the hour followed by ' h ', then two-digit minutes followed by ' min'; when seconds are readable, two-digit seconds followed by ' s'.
7 h 40 min
